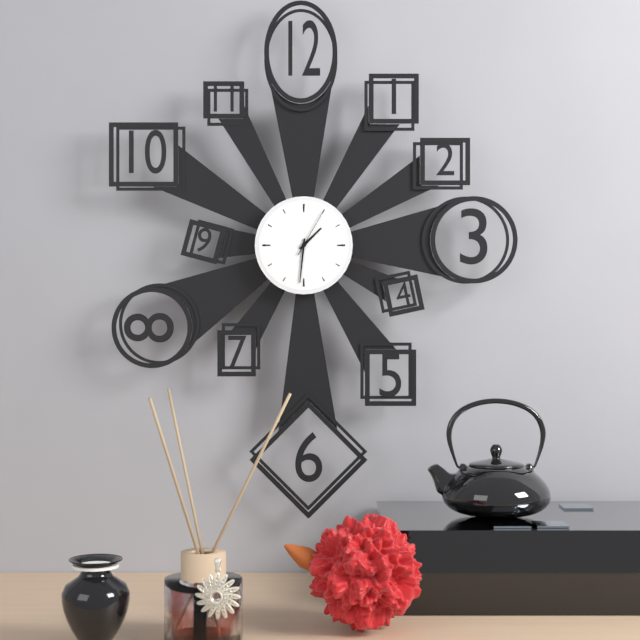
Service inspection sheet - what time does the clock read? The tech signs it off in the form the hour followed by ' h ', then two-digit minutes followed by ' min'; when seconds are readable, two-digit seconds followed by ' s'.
1 h 31 min 05 s
